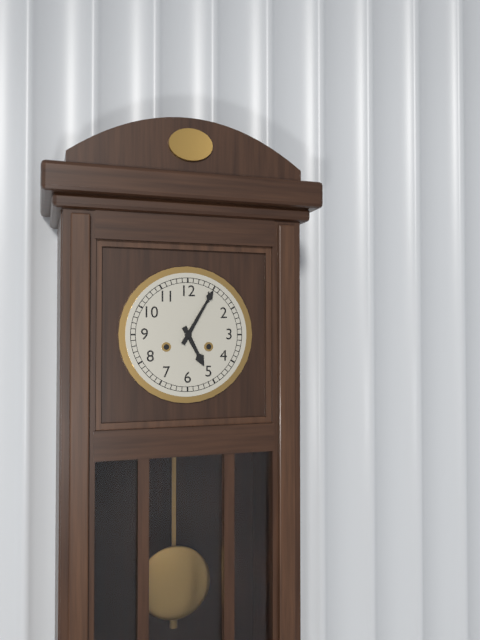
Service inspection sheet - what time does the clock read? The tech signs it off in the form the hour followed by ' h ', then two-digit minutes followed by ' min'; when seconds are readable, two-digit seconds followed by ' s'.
5 h 05 min
